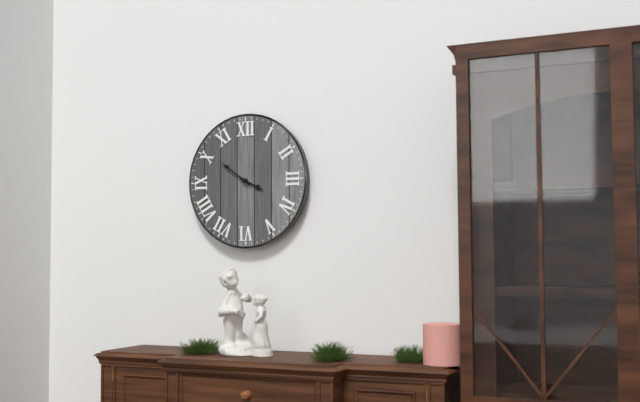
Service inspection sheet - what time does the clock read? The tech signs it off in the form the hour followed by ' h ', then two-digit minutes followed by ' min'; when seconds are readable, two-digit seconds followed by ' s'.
3 h 51 min
